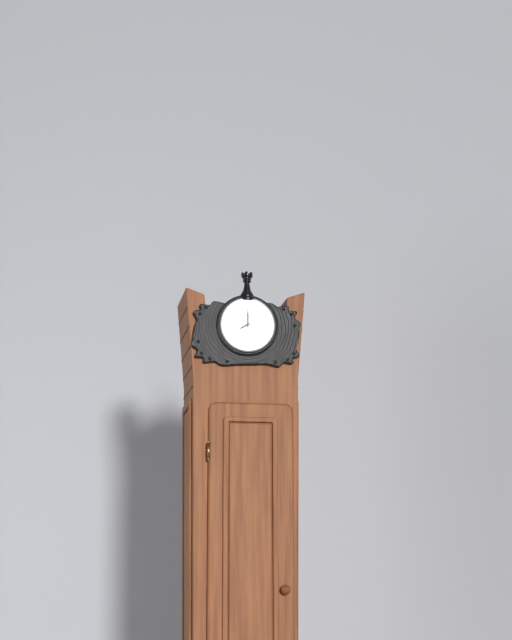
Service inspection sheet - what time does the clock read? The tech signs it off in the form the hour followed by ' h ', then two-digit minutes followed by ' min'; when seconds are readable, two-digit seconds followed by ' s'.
8 h 00 min
